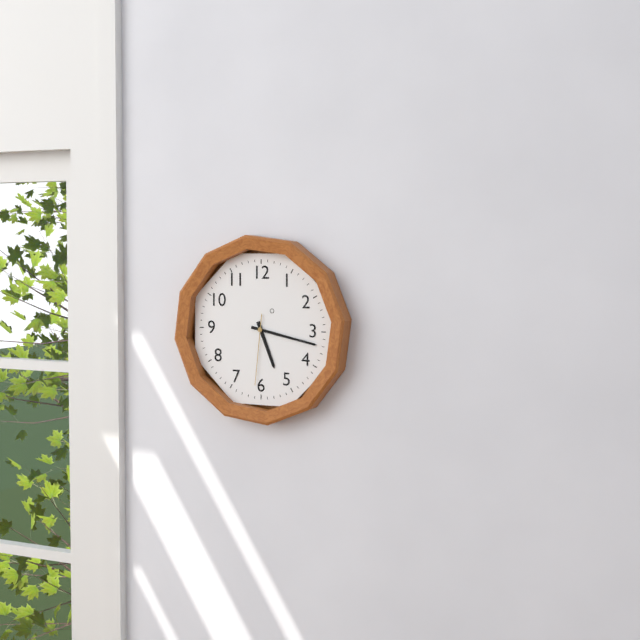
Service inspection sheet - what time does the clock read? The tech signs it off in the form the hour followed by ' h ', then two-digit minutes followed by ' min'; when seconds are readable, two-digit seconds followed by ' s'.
5 h 17 min 31 s
